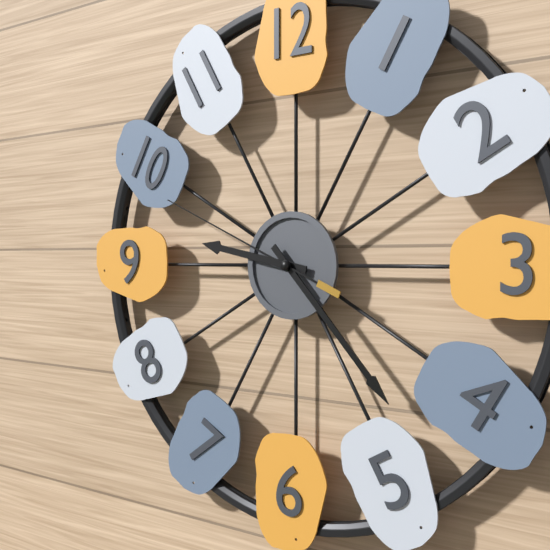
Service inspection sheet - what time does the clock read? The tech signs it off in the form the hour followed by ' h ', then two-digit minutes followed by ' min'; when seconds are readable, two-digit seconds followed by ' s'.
9 h 23 min 49 s
